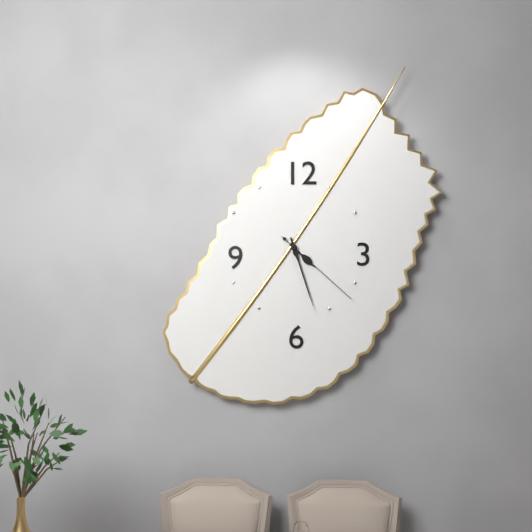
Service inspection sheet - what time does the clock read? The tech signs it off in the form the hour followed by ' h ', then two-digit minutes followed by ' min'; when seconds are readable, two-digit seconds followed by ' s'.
4 h 27 min 22 s
